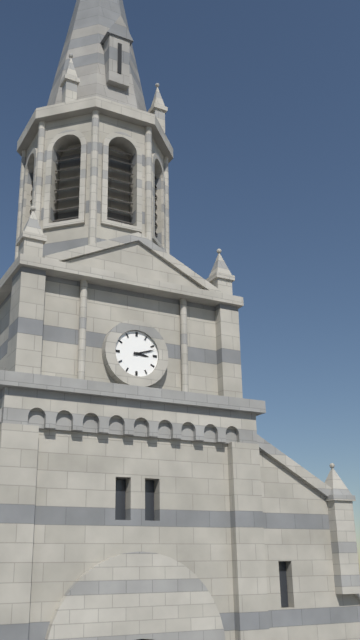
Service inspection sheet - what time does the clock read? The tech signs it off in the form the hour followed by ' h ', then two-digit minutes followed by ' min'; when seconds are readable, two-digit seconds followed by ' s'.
3 h 12 min
